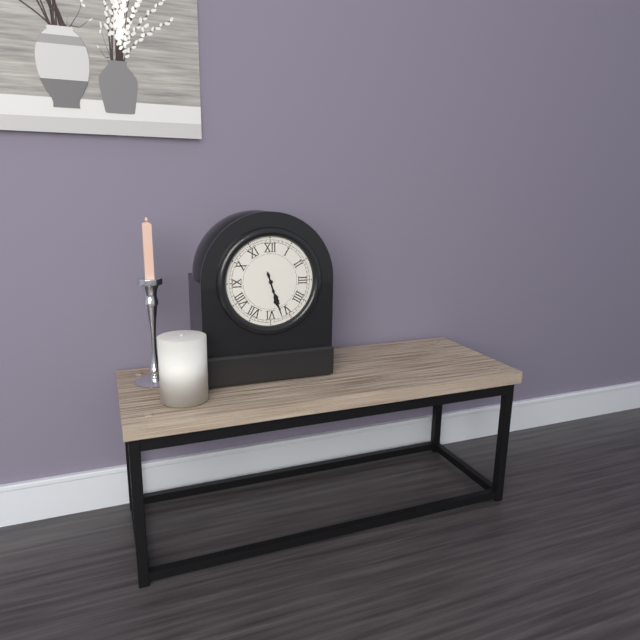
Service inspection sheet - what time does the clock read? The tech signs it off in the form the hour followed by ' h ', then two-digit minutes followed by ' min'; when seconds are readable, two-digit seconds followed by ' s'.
5 h 27 min
